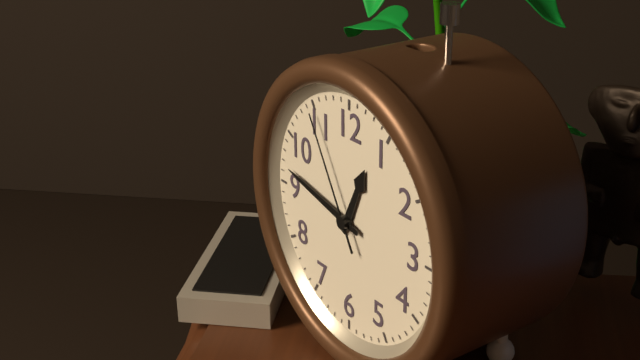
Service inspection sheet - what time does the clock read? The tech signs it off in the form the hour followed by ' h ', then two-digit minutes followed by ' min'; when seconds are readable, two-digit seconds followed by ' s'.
12 h 47 min 55 s
